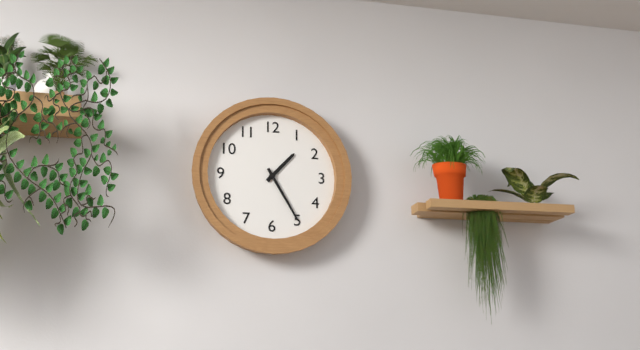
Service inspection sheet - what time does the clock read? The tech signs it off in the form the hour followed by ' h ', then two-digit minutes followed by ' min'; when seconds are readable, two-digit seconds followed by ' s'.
1 h 25 min
